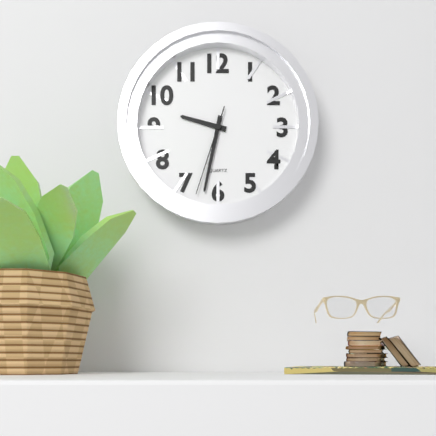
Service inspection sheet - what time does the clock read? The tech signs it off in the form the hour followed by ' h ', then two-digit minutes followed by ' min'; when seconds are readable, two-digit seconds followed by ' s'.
9 h 32 min 33 s
